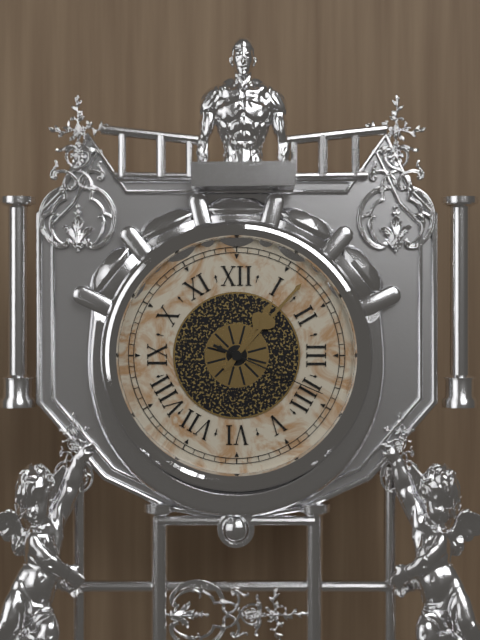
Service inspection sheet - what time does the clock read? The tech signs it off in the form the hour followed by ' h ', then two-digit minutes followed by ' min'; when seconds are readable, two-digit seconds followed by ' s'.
1 h 07 min 19 s
